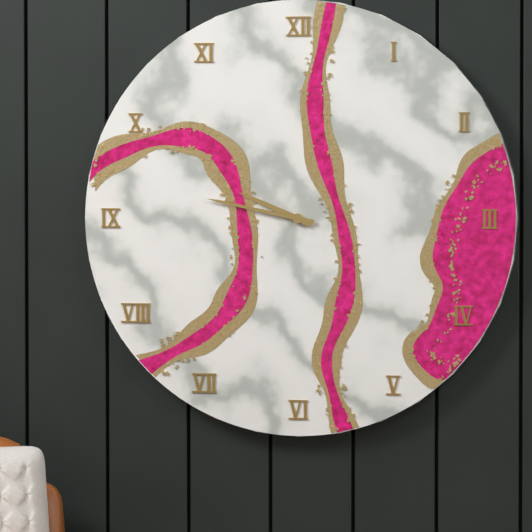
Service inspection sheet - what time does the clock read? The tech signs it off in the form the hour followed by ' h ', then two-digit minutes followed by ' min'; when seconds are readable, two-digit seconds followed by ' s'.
9 h 47 min
